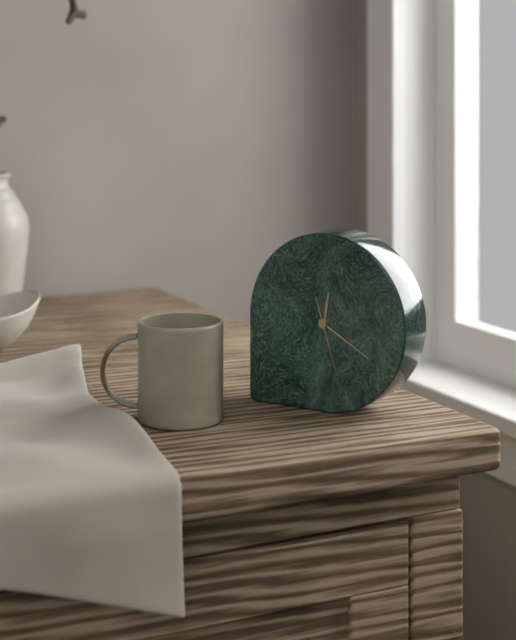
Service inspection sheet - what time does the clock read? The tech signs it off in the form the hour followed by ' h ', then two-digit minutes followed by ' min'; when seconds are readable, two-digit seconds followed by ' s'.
12 h 20 min 27 s
